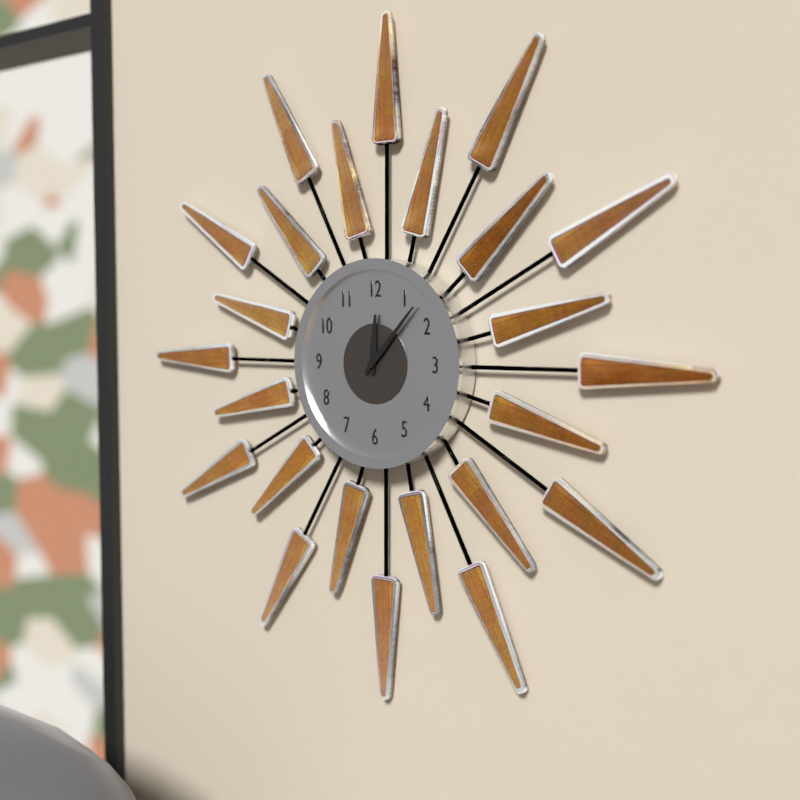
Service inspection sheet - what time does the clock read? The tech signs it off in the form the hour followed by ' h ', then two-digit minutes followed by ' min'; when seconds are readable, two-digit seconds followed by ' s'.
12 h 07 min
